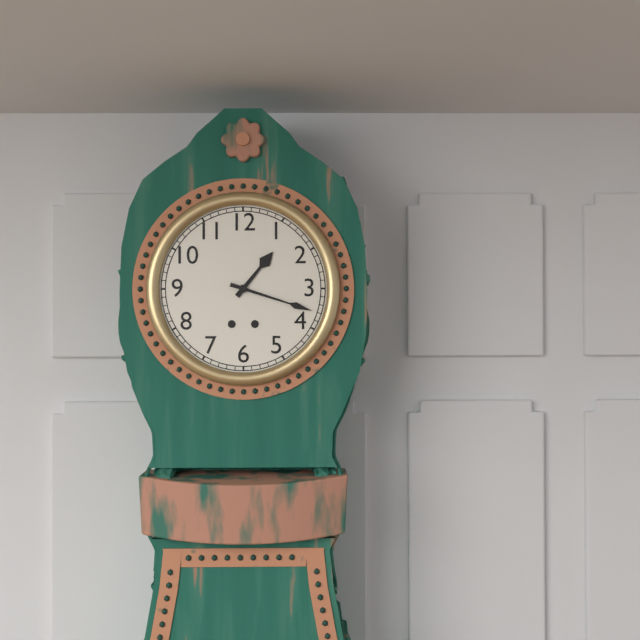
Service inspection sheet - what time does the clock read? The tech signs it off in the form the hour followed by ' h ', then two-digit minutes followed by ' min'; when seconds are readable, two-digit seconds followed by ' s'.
1 h 18 min
